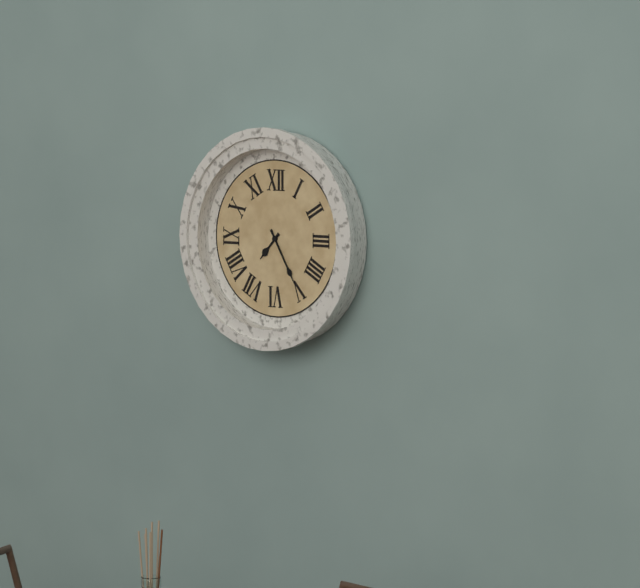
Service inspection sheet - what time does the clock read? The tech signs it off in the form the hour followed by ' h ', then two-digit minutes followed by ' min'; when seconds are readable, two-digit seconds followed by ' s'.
7 h 25 min
